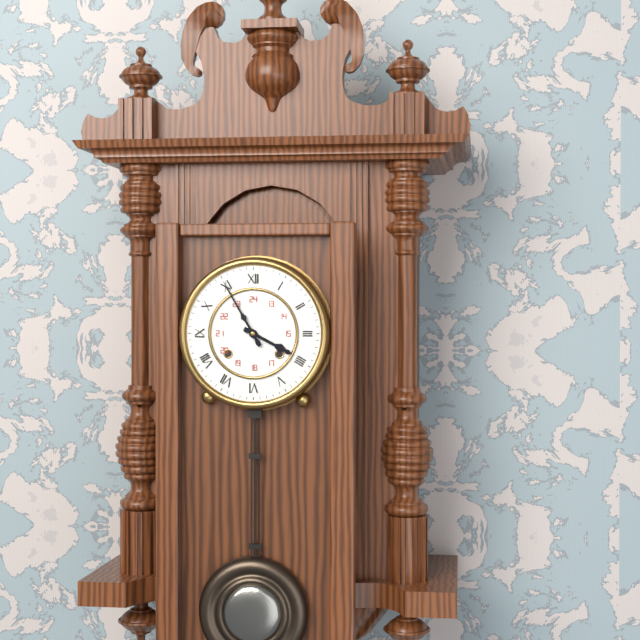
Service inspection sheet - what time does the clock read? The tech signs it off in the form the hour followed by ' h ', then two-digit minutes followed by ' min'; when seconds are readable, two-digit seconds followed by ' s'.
3 h 55 min
